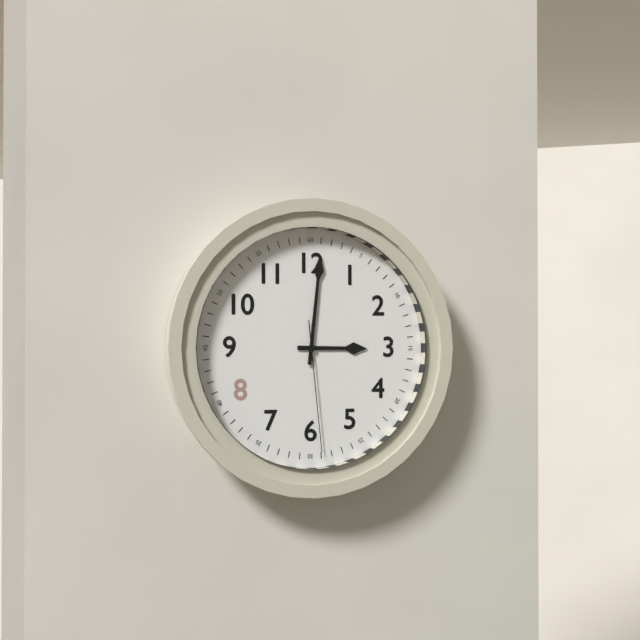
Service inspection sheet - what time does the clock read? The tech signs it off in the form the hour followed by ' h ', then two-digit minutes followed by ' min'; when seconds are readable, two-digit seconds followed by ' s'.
3 h 01 min 29 s
